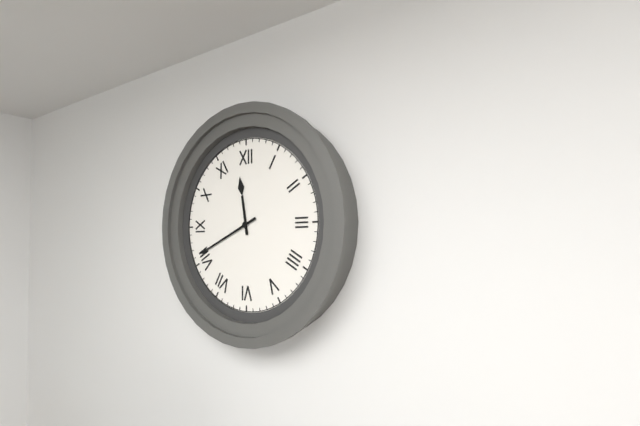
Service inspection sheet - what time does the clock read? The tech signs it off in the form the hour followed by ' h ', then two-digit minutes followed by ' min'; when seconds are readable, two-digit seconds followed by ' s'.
11 h 41 min
